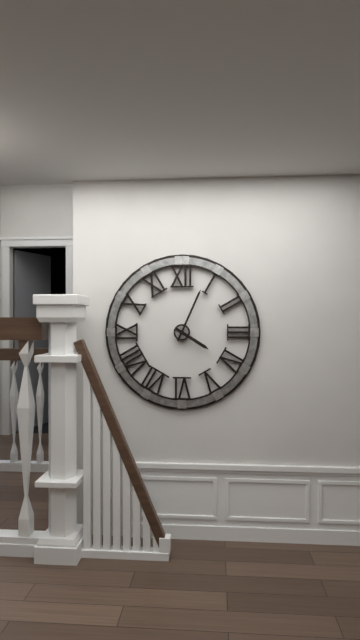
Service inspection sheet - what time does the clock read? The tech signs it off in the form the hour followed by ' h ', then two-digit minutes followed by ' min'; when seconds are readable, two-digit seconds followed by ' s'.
4 h 04 min
